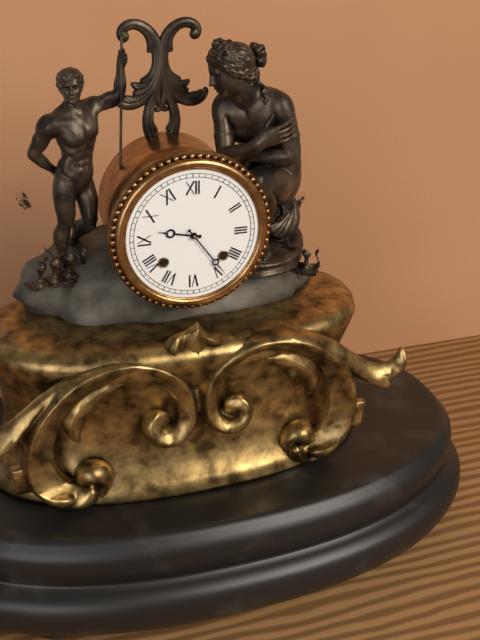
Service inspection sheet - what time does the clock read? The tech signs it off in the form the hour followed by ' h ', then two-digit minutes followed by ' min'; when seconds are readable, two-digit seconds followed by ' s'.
9 h 24 min
